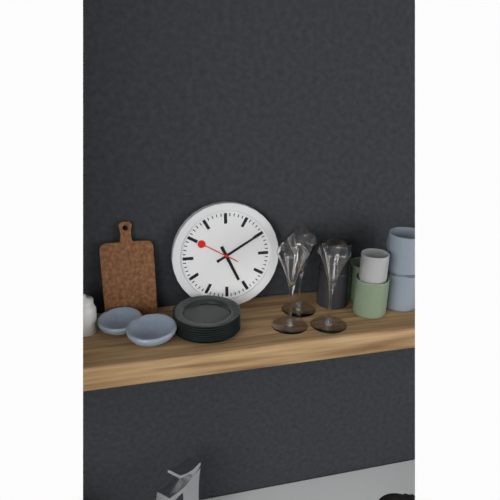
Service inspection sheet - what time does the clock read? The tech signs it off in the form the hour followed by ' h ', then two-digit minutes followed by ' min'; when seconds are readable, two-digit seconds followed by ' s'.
5 h 10 min
